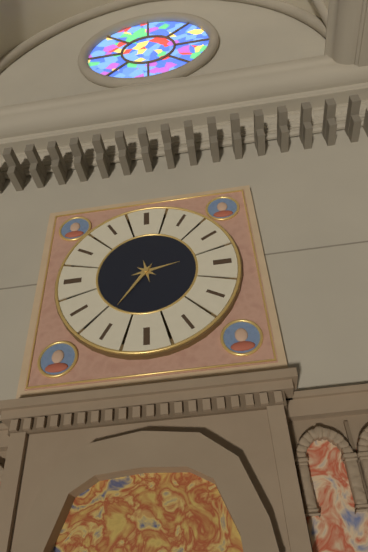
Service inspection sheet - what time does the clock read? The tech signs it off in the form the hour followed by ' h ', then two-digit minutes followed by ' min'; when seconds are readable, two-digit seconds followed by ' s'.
2 h 36 min
